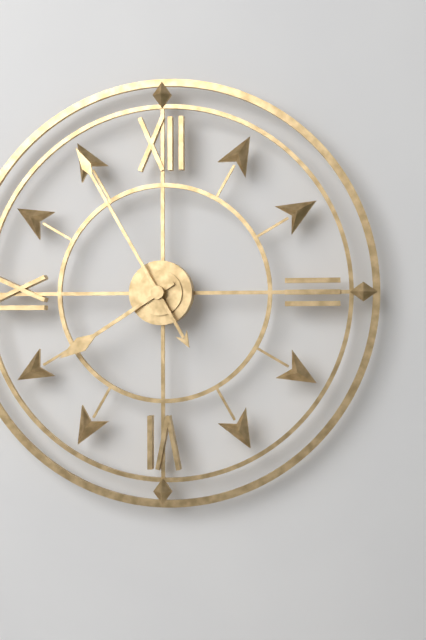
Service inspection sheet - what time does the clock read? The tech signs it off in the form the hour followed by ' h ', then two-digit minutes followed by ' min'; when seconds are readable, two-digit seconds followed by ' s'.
7 h 55 min
